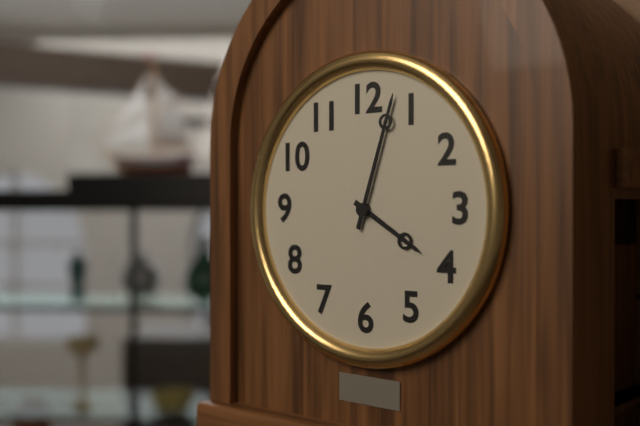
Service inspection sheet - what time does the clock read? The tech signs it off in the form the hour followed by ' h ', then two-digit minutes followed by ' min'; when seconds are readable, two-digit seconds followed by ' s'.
4 h 03 min
